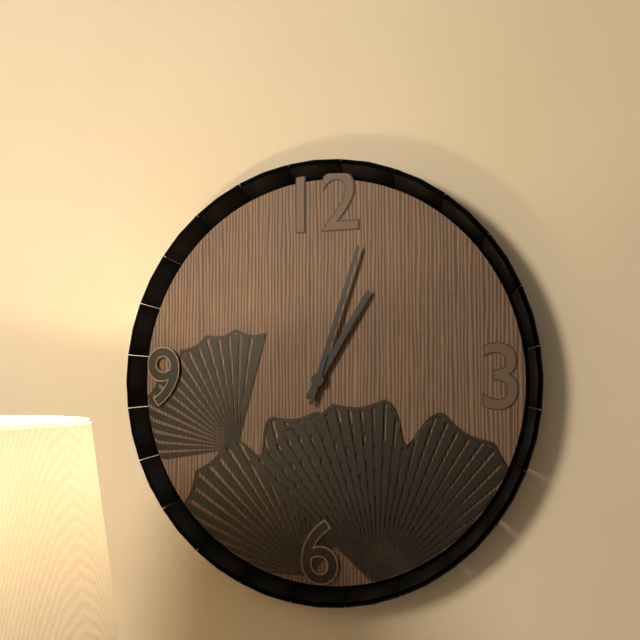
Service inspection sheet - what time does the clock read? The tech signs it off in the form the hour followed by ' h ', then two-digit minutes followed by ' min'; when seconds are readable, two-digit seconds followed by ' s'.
1 h 03 min
